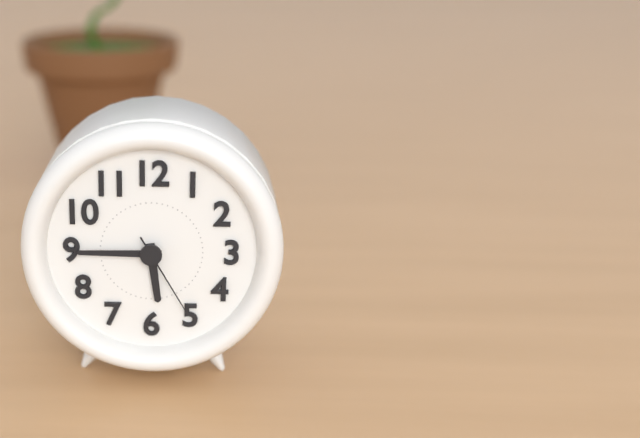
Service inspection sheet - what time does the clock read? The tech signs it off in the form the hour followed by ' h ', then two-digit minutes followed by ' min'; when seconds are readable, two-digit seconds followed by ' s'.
5 h 45 min 25 s
